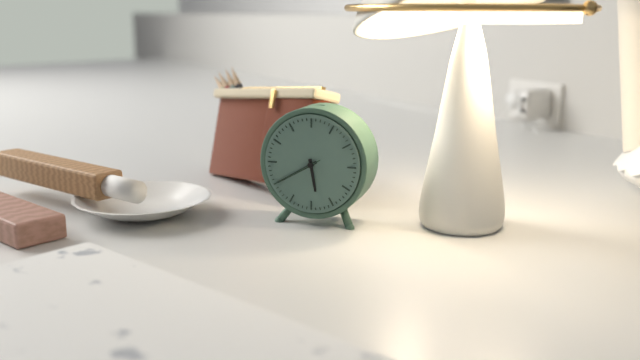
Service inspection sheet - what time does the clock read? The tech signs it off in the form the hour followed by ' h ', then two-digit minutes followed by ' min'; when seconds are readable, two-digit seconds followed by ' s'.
5 h 40 min 40 s
